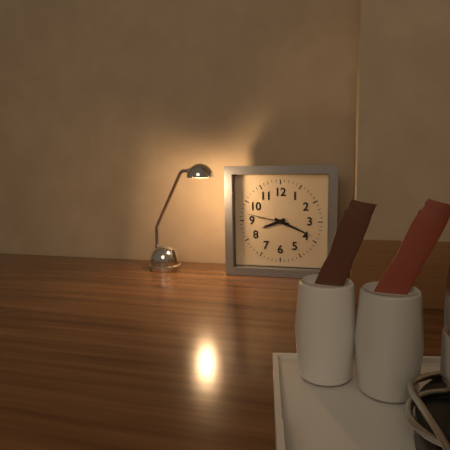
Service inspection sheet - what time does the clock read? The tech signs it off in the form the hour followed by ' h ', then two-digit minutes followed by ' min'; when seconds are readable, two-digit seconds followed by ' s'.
8 h 19 min
